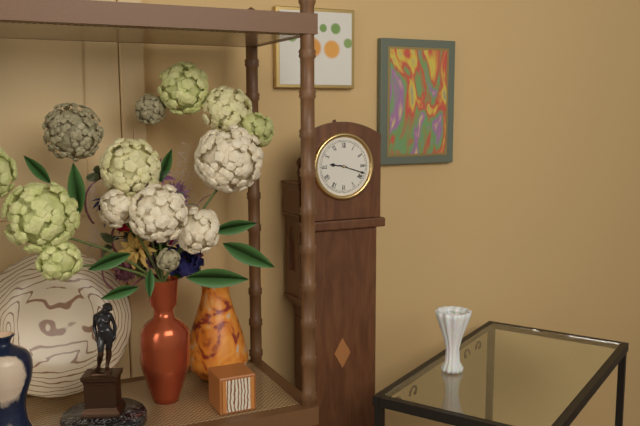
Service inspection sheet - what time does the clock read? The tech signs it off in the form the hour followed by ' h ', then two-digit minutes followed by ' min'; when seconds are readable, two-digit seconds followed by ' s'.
9 h 18 min
